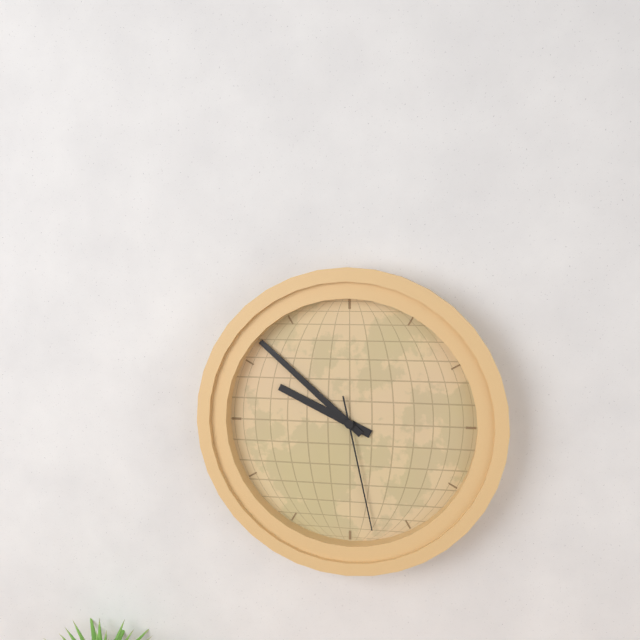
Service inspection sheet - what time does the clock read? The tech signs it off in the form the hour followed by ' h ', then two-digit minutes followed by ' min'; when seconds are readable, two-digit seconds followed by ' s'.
9 h 52 min 28 s
